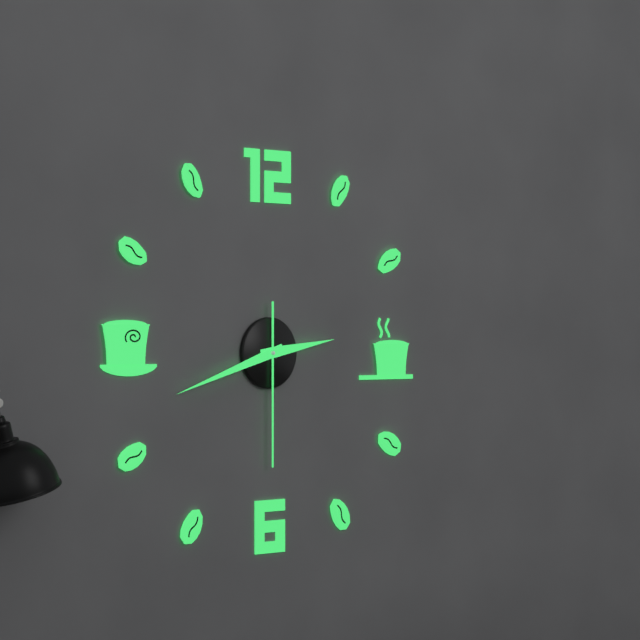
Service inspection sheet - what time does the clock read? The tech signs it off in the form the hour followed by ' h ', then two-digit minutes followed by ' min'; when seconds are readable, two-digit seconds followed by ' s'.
2 h 42 min 30 s
